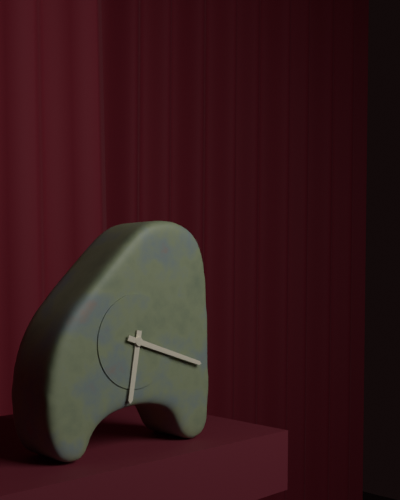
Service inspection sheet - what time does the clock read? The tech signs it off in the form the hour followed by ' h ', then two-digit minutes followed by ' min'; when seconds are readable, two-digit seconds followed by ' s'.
6 h 18 min
